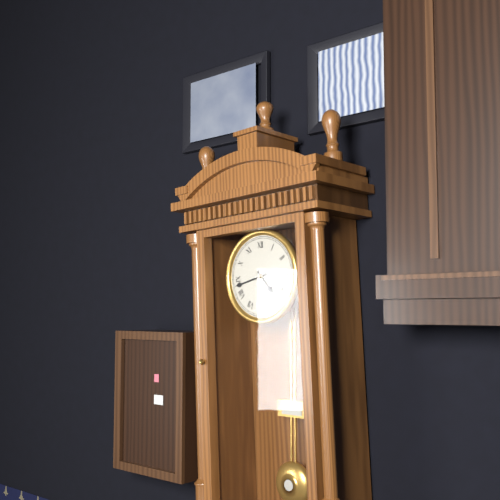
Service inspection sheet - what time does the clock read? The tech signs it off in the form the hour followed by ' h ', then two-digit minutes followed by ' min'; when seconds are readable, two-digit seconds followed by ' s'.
4 h 43 min
